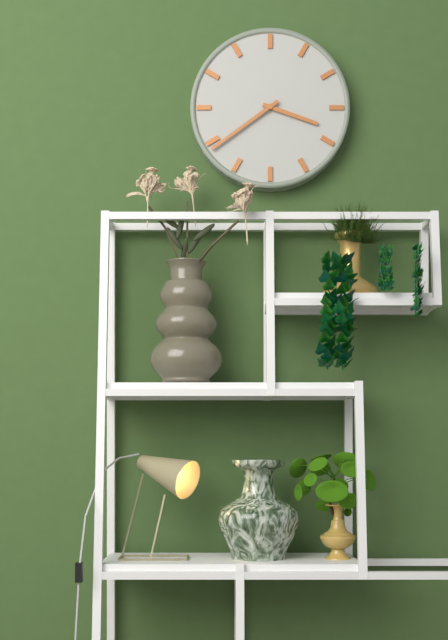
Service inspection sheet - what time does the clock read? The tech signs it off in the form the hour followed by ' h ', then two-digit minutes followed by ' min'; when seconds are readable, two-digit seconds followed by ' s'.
3 h 39 min
